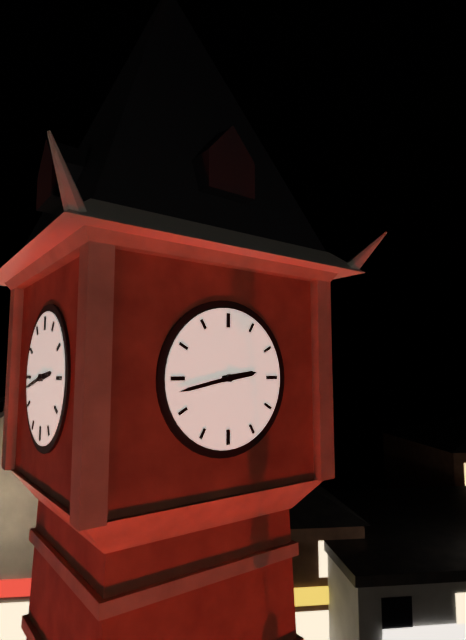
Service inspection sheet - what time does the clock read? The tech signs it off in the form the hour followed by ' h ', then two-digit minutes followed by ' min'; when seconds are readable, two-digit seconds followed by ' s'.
2 h 43 min
